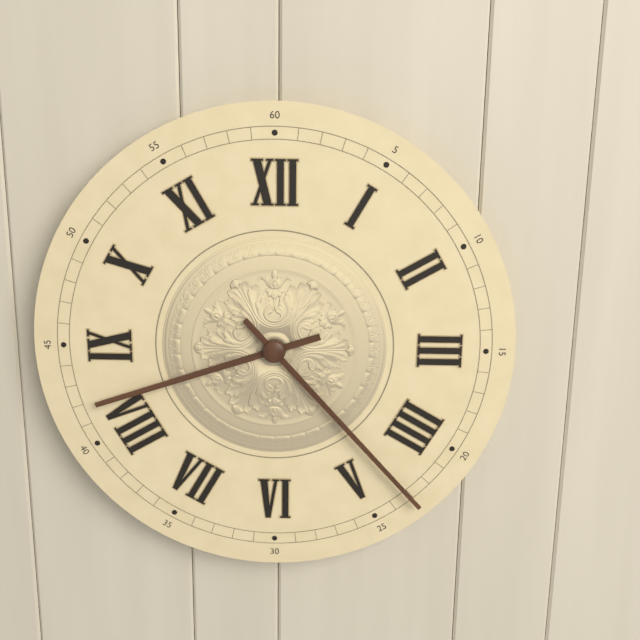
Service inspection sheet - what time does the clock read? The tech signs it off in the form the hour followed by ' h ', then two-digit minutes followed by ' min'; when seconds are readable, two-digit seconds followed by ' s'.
8 h 23 min
